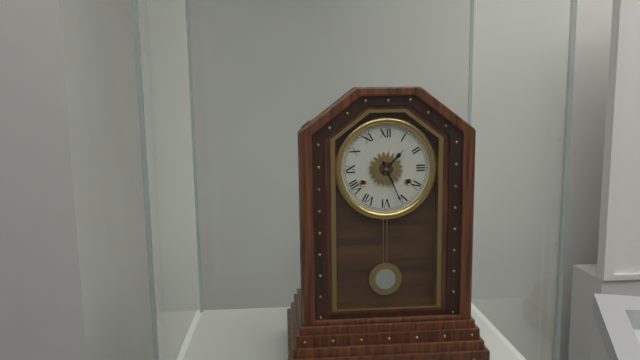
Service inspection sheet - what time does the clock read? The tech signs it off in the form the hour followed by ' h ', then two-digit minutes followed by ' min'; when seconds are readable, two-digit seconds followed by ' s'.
1 h 26 min
